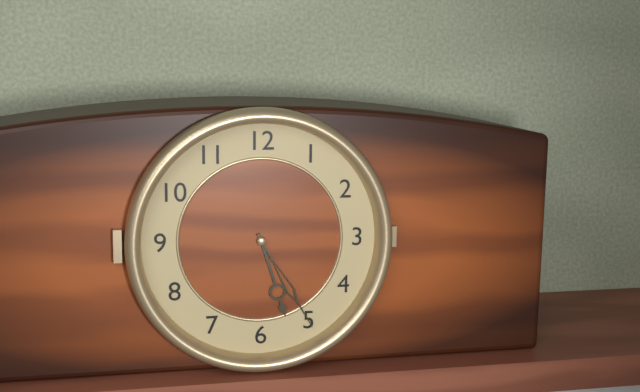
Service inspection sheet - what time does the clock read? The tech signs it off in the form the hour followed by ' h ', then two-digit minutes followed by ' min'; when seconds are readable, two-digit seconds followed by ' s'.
5 h 25 min
